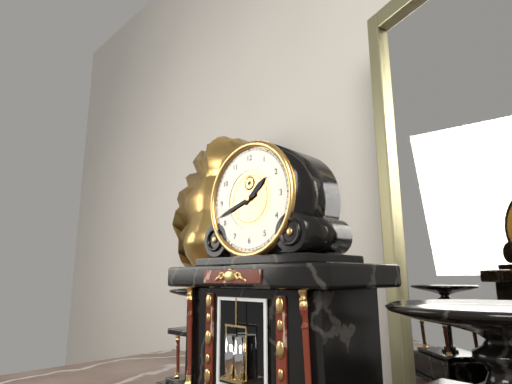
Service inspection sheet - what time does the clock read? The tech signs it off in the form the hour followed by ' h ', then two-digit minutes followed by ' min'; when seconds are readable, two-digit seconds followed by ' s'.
1 h 42 min
